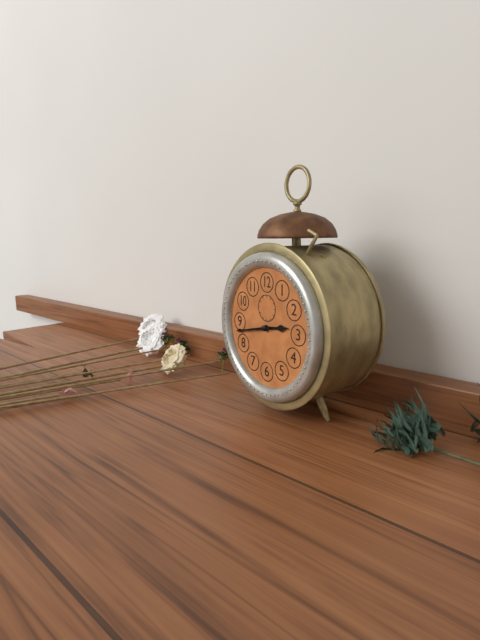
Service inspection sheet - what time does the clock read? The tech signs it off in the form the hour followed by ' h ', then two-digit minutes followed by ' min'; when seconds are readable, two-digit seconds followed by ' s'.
2 h 43 min
